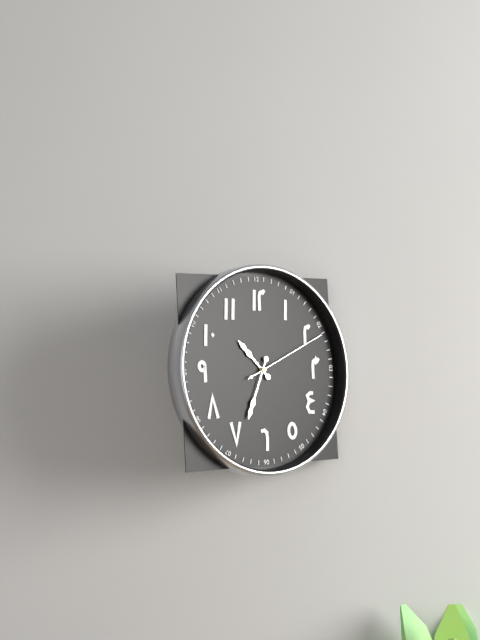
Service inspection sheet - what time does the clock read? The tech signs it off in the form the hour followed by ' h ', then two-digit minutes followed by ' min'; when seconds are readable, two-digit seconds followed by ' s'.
10 h 34 min 11 s
